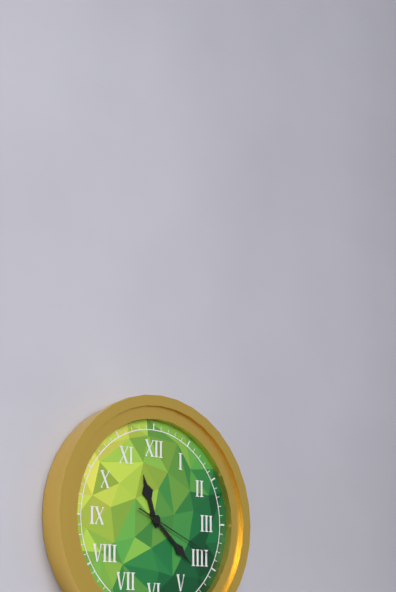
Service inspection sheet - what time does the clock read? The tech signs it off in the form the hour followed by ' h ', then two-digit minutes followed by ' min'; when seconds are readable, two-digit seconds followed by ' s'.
11 h 22 min 19 s
